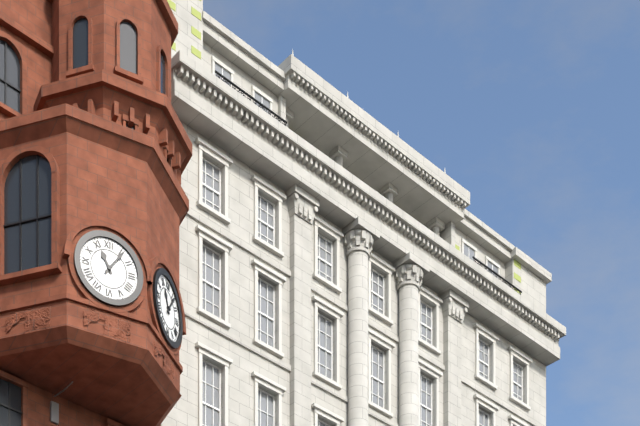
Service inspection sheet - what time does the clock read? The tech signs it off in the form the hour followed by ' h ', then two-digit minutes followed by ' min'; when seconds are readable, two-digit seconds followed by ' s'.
11 h 06 min
